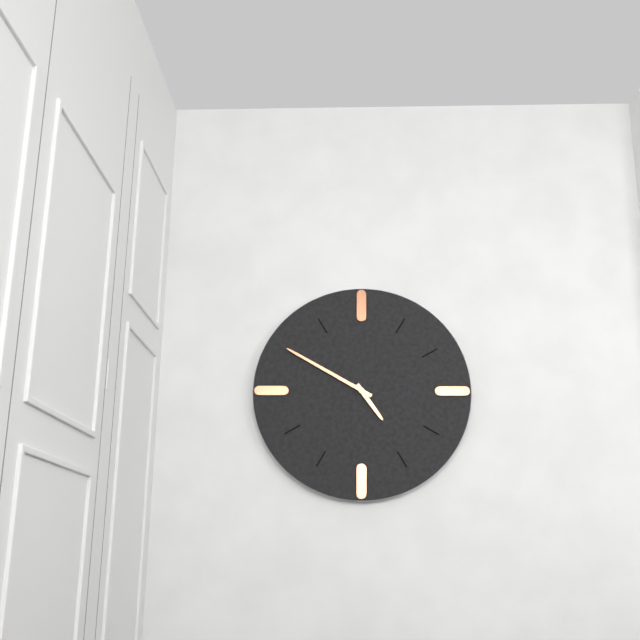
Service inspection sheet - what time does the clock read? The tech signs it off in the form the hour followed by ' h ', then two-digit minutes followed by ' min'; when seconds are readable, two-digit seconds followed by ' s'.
4 h 50 min
